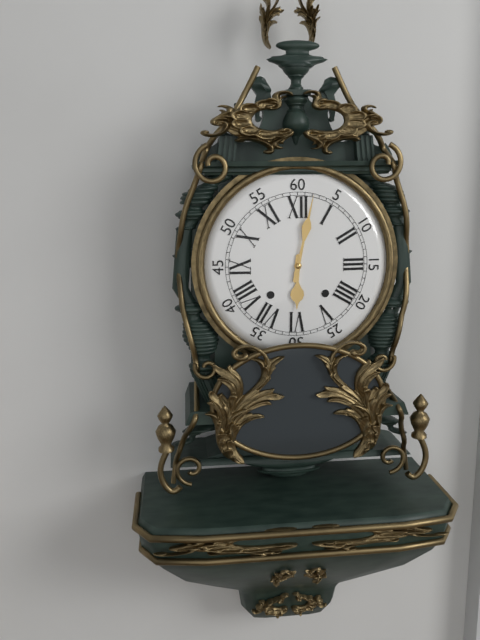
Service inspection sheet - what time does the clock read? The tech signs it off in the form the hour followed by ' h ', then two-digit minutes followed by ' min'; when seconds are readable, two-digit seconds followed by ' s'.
6 h 02 min
